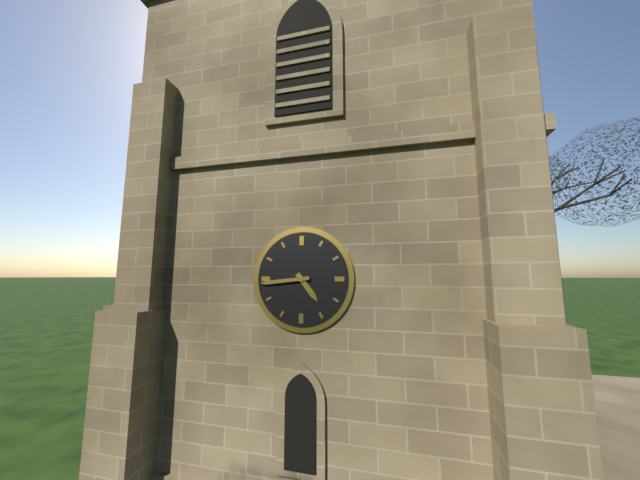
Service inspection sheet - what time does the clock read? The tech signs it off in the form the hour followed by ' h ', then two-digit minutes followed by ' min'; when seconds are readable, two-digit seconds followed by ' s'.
4 h 44 min
